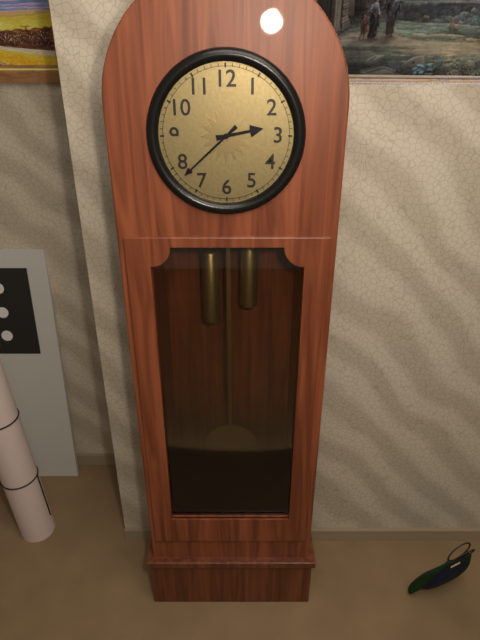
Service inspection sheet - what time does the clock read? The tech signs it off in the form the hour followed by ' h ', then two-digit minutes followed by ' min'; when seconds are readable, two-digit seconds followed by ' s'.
2 h 38 min
